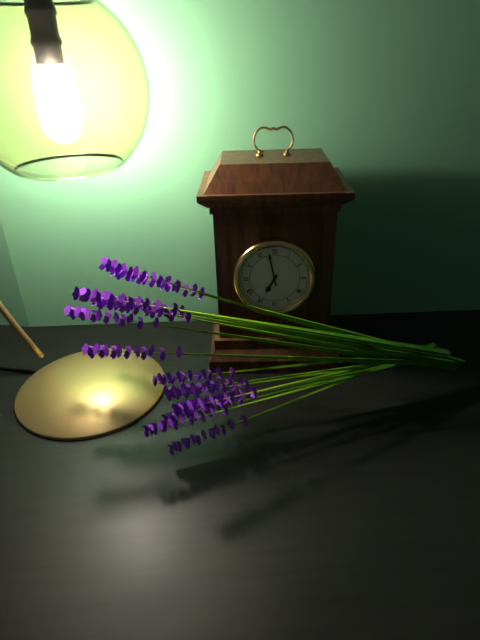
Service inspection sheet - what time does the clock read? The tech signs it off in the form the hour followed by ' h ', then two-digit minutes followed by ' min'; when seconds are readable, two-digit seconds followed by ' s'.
6 h 58 min
